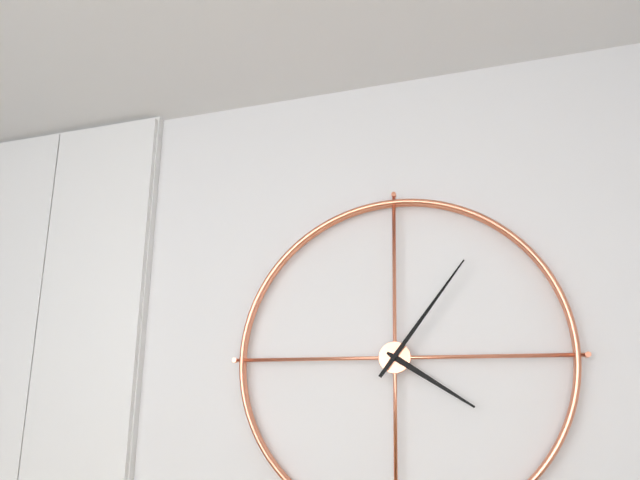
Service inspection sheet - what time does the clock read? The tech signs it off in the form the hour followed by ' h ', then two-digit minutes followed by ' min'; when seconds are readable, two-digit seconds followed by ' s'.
4 h 06 min
